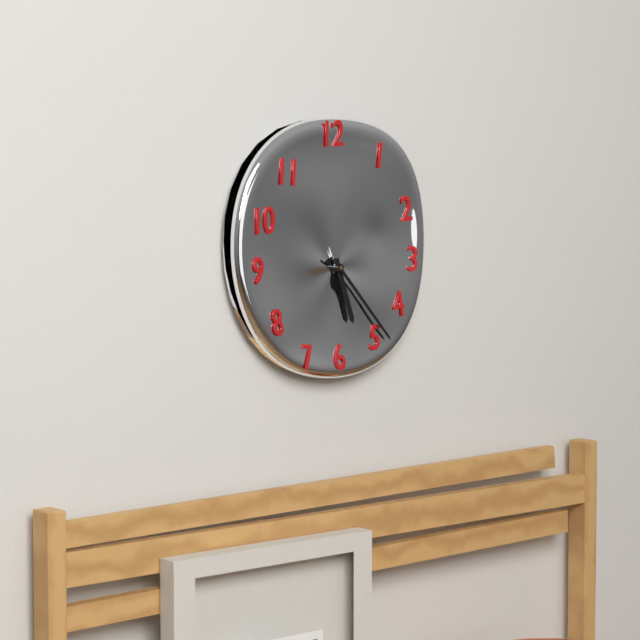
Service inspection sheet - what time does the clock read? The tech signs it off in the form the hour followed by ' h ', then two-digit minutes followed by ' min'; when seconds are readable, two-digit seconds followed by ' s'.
5 h 23 min
